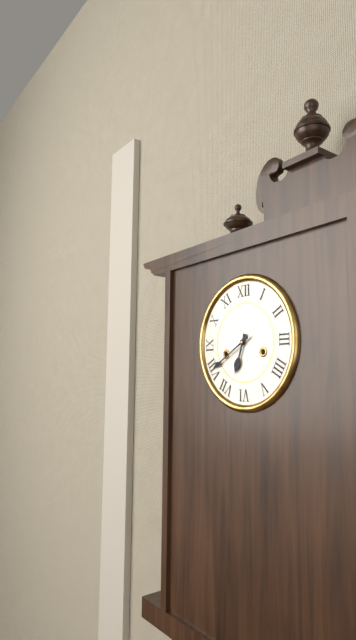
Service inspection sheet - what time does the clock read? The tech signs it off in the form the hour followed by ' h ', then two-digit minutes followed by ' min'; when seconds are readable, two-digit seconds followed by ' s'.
6 h 40 min
